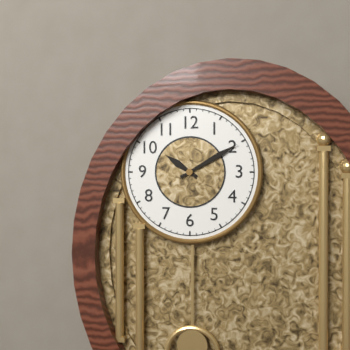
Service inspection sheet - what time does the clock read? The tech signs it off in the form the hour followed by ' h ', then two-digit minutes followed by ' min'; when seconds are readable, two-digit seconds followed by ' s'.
10 h 10 min
